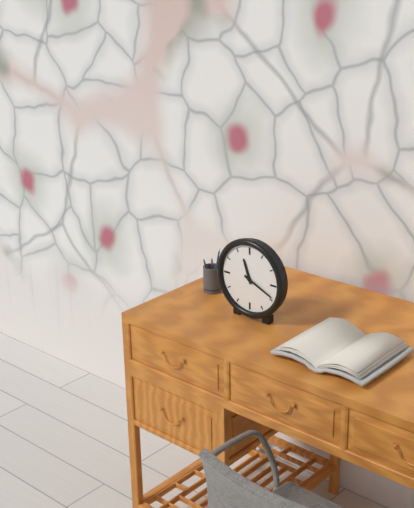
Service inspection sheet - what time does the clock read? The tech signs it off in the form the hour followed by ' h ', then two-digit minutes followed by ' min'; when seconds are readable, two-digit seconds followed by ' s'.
11 h 19 min
